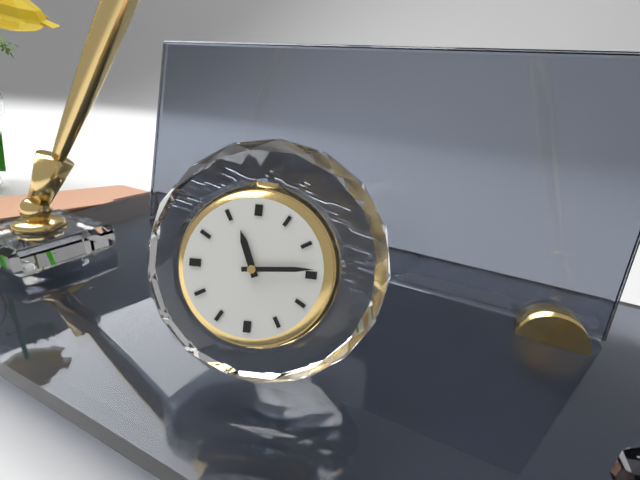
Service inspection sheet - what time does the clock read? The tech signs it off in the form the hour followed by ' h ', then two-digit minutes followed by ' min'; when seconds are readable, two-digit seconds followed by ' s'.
11 h 14 min
